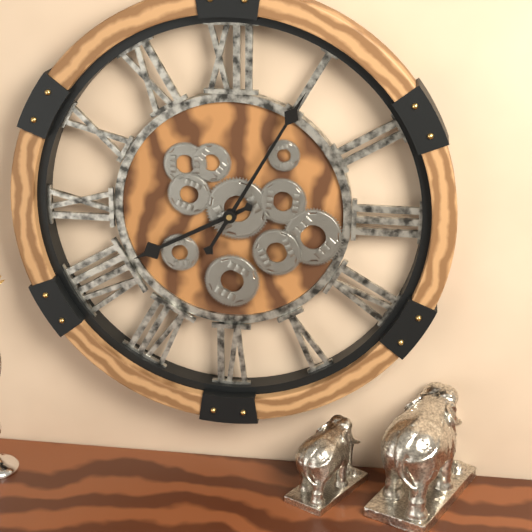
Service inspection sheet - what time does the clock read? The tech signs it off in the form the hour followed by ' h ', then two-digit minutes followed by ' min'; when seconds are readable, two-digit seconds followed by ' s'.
8 h 05 min
